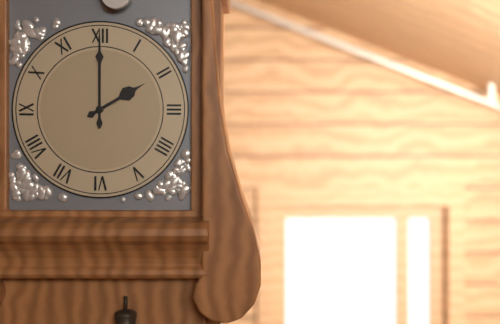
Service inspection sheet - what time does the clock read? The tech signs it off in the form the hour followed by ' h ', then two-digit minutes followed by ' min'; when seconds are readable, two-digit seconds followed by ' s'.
2 h 00 min
